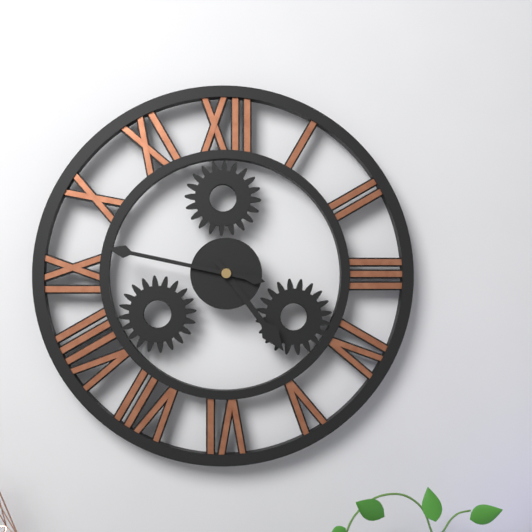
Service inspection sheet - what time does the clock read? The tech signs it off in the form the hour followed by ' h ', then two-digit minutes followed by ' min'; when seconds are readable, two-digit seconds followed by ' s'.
4 h 47 min
